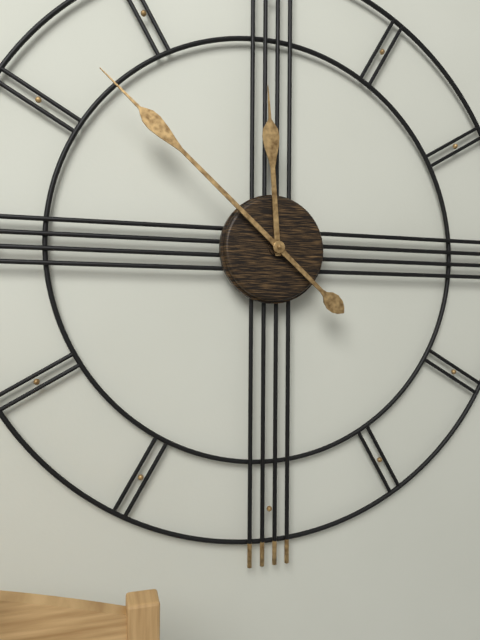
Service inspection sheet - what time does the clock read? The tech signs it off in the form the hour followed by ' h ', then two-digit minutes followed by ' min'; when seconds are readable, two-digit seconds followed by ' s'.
11 h 52 min
